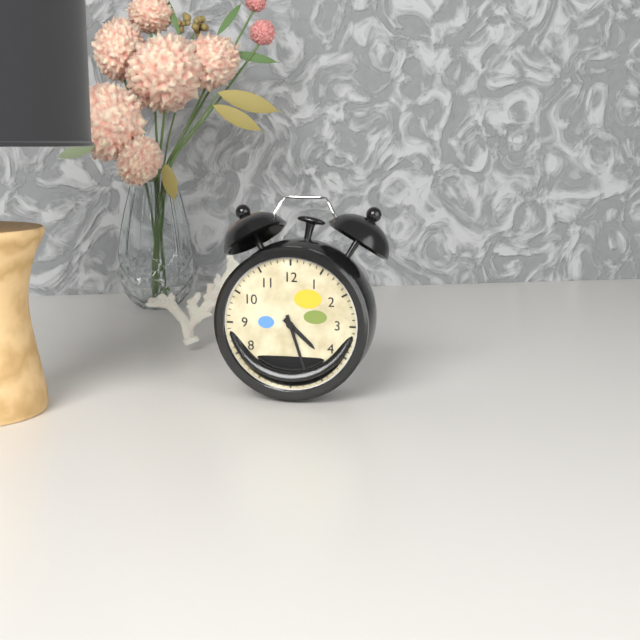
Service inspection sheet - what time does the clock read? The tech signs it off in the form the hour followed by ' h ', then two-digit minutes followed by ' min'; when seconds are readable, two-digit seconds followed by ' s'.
4 h 27 min
